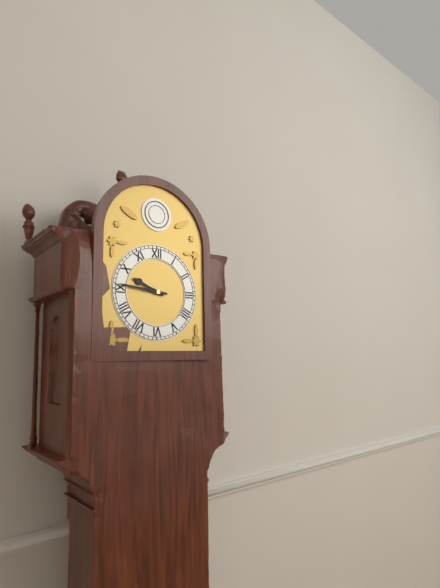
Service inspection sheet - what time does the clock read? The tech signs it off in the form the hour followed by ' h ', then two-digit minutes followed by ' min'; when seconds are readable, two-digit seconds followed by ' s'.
9 h 46 min
